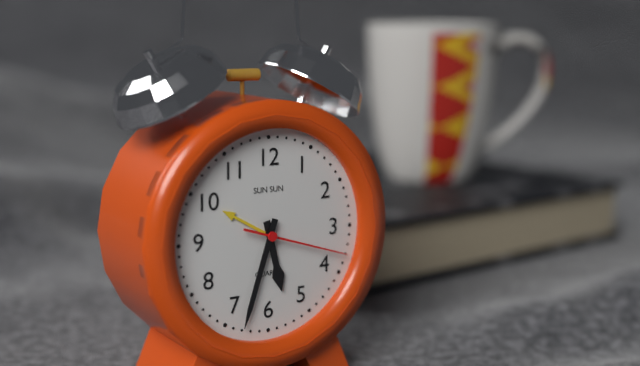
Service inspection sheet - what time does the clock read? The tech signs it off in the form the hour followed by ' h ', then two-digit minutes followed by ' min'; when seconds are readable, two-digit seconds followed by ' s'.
5 h 33 min 18 s
